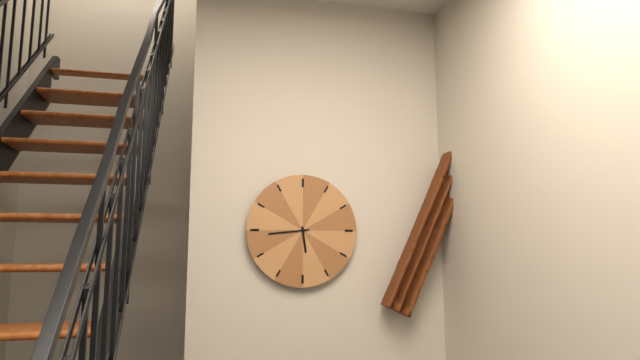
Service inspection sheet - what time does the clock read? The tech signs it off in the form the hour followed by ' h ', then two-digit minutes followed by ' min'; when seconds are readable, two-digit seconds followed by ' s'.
5 h 44 min
